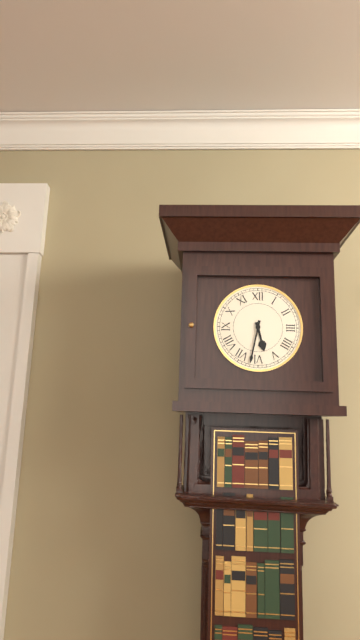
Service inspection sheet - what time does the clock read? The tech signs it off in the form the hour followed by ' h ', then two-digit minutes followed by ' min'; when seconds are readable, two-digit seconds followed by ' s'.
5 h 32 min
